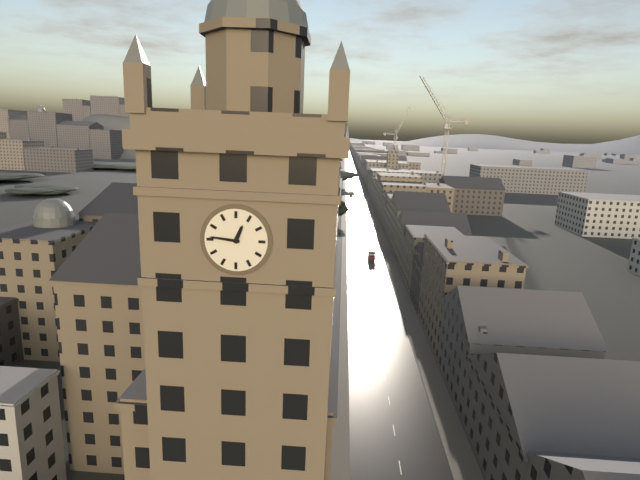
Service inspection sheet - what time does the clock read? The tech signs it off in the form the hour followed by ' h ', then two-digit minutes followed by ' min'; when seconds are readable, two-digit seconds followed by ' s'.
12 h 46 min
